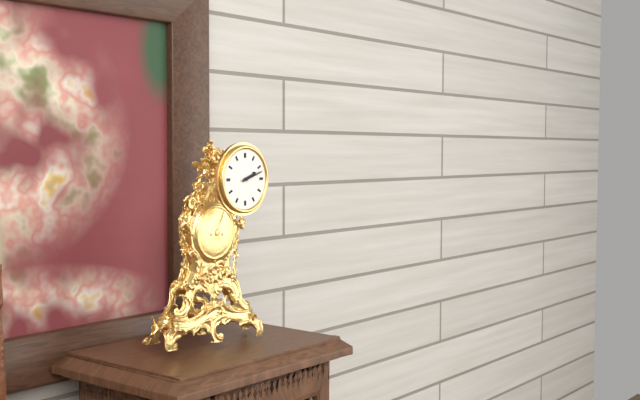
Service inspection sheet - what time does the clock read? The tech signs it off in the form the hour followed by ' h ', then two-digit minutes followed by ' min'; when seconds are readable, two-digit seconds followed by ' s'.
2 h 12 min
